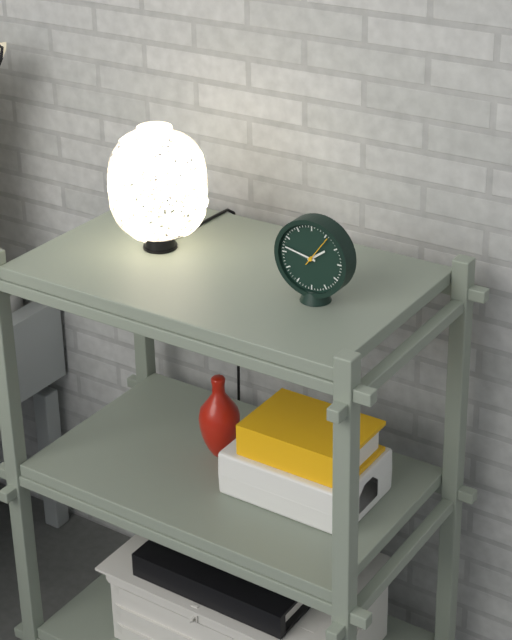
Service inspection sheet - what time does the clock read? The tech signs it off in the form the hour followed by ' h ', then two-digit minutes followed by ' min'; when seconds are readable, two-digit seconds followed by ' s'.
1 h 47 min
